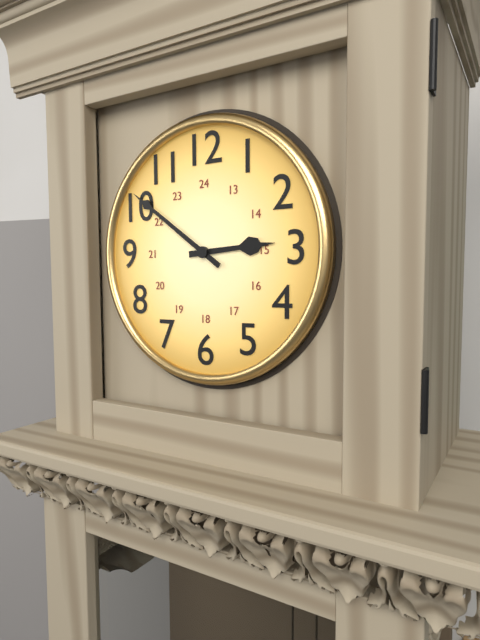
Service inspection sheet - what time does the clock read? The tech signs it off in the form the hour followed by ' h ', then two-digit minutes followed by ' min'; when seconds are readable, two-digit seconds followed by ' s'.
2 h 51 min
